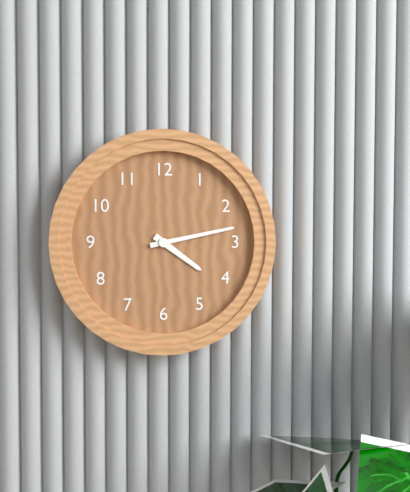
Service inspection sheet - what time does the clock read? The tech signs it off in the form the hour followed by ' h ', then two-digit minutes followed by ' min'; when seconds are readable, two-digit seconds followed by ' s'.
4 h 13 min
